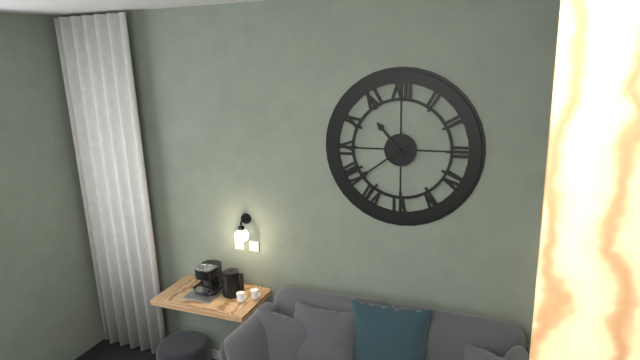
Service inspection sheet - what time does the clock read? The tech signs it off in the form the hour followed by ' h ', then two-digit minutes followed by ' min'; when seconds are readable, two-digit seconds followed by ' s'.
10 h 39 min
